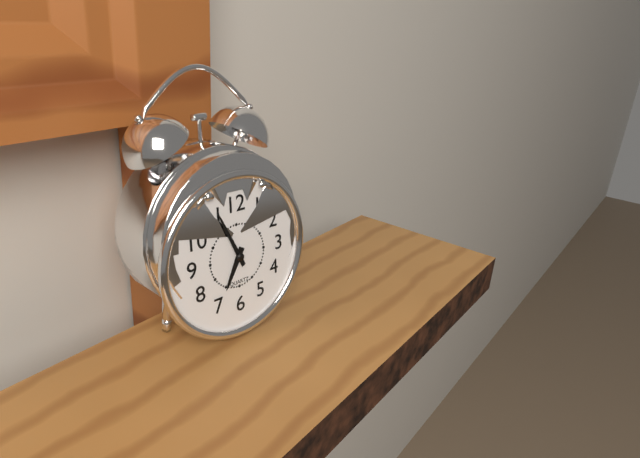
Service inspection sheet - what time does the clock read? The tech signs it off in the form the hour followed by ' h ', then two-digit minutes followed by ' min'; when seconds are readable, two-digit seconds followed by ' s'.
6 h 56 min
